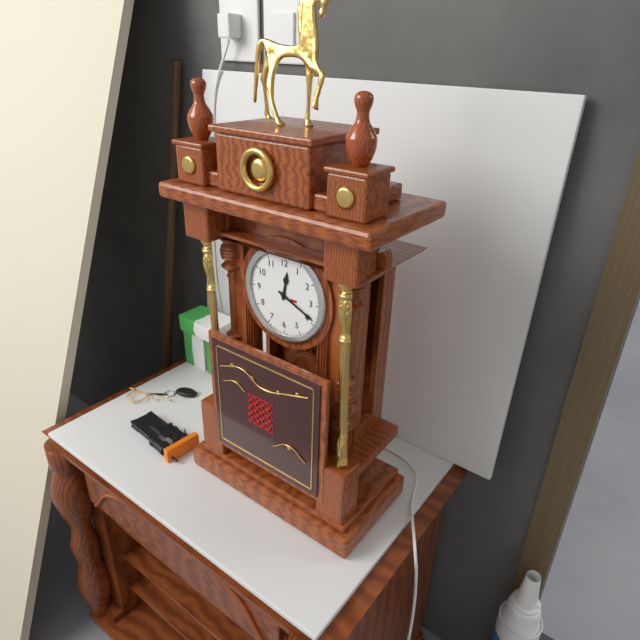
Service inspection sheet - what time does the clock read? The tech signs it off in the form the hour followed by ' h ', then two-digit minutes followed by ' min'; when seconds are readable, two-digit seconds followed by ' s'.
12 h 19 min
